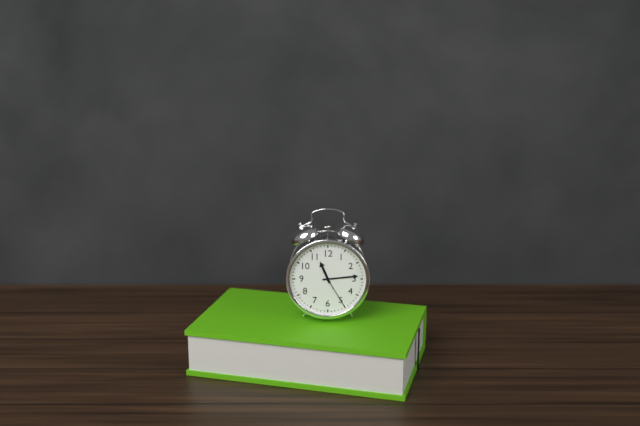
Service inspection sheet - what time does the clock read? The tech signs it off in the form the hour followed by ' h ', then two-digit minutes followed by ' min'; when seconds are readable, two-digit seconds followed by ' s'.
11 h 14 min
